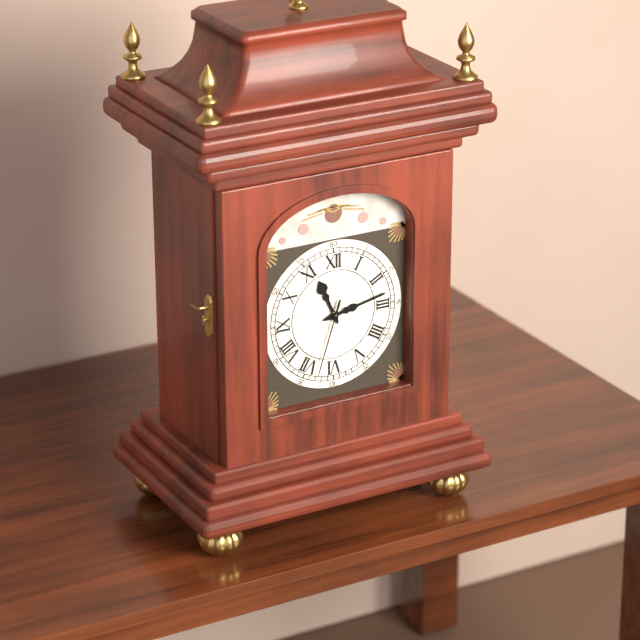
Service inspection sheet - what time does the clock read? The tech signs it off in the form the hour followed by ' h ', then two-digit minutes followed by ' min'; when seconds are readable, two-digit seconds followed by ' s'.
11 h 13 min 33 s
